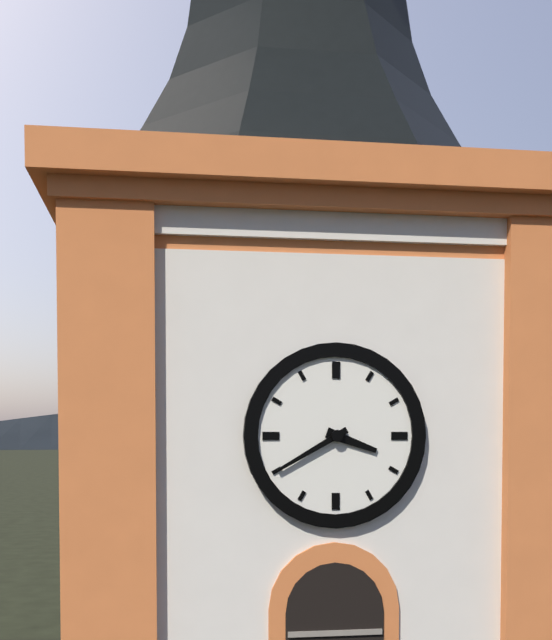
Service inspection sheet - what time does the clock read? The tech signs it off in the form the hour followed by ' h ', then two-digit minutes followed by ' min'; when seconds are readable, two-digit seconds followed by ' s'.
3 h 40 min
